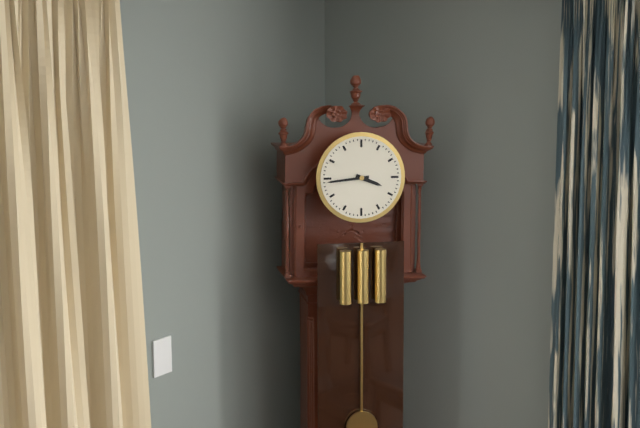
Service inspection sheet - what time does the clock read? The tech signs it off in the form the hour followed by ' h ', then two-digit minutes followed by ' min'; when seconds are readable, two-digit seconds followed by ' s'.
3 h 44 min
